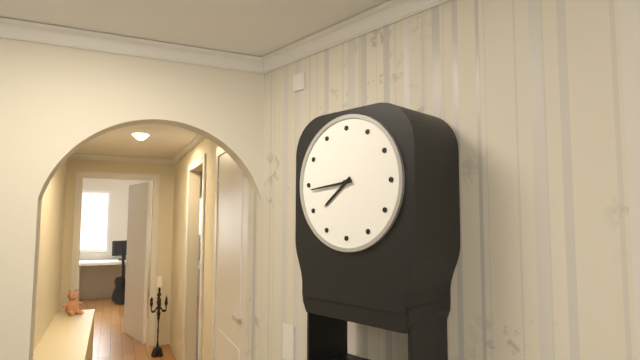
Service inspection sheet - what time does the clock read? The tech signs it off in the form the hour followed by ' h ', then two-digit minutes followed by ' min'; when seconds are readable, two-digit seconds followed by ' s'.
7 h 44 min
